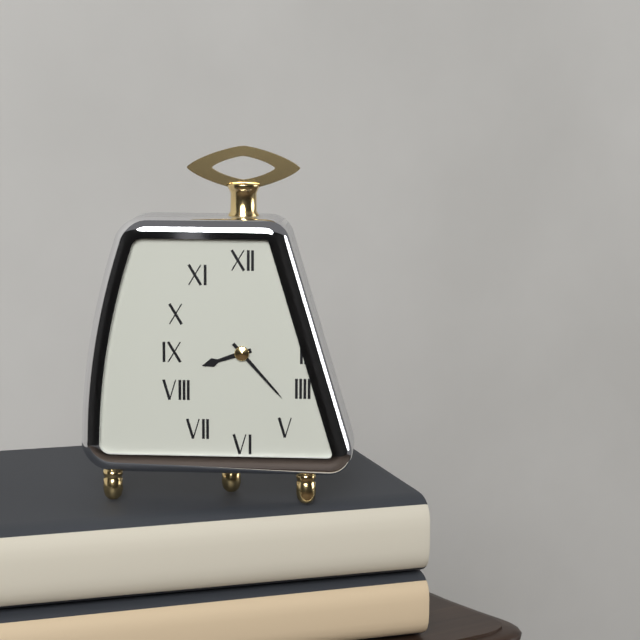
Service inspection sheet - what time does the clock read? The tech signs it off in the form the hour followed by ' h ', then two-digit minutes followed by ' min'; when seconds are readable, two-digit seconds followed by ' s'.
8 h 23 min
